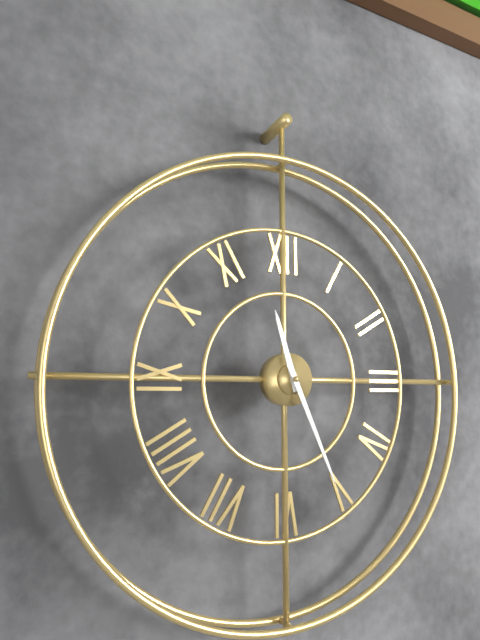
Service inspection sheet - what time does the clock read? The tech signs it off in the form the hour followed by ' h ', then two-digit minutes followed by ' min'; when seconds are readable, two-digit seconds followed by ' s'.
11 h 26 min
